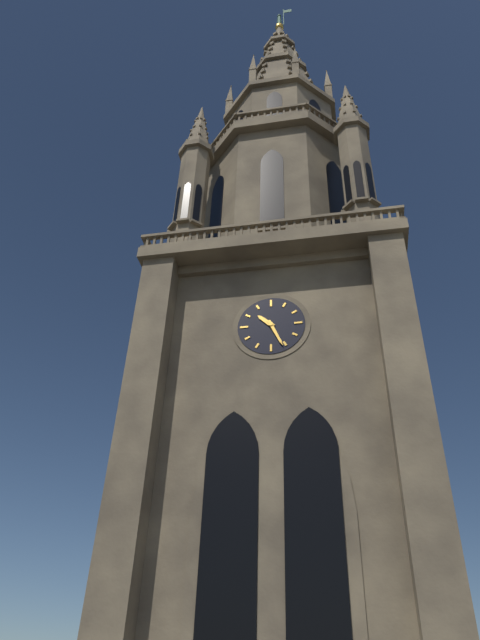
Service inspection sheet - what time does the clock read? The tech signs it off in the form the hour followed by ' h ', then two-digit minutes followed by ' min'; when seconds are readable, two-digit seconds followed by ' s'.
10 h 26 min
